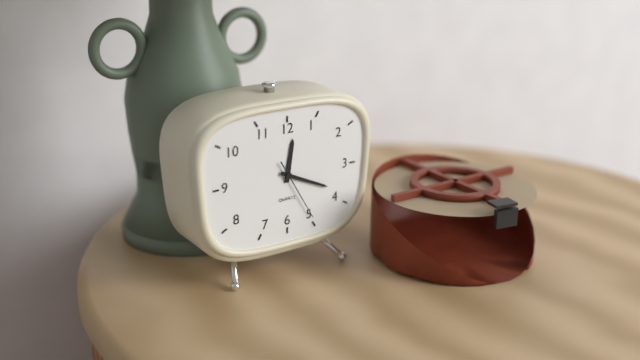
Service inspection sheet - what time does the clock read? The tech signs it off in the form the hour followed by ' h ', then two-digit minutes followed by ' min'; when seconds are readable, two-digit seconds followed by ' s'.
12 h 19 min 25 s
